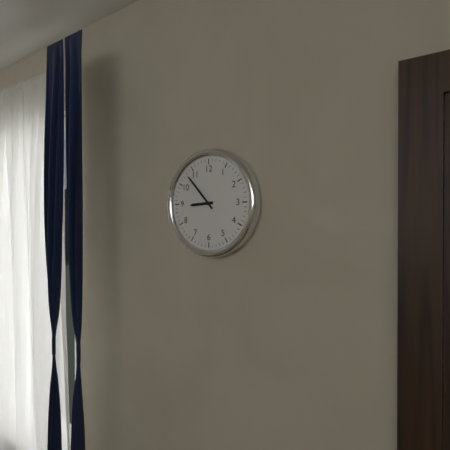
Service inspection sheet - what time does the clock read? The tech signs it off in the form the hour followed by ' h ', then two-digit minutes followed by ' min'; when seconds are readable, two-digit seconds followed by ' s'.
8 h 53 min
